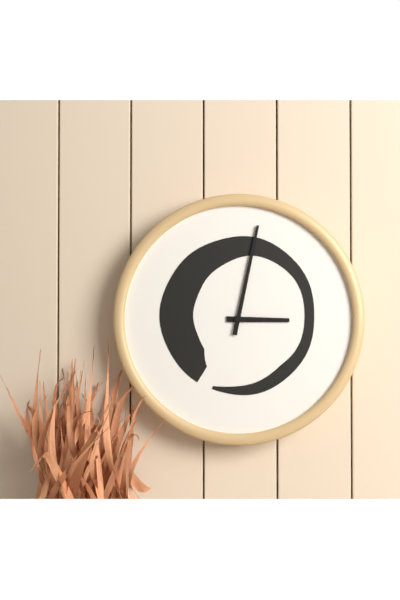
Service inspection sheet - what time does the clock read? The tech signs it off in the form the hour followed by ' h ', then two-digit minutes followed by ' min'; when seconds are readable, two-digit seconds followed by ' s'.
3 h 02 min
